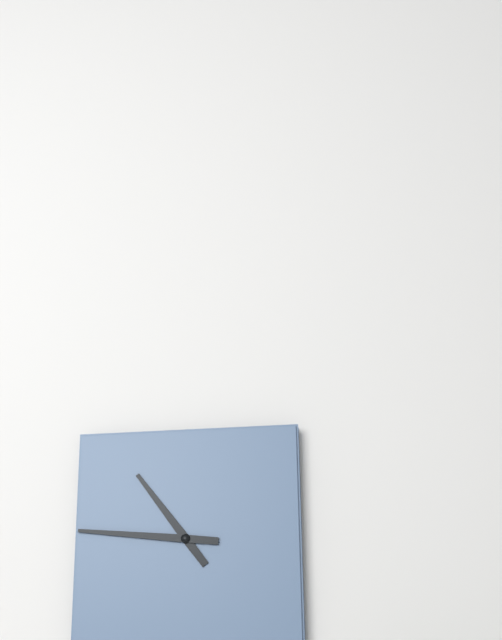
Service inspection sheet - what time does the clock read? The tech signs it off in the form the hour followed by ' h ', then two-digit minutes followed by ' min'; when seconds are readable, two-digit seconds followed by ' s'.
10 h 46 min
